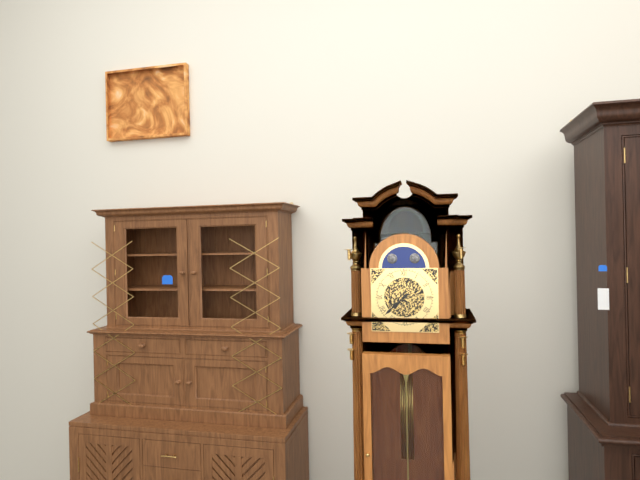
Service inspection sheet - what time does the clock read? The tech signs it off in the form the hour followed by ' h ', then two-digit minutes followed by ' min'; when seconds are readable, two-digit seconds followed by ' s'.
7 h 38 min
